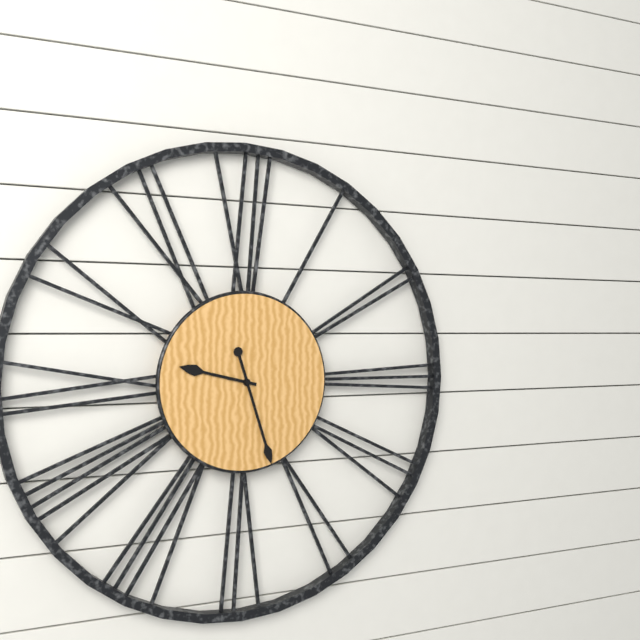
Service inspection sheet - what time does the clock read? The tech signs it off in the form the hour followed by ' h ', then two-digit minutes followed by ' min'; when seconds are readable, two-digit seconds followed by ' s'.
9 h 27 min
